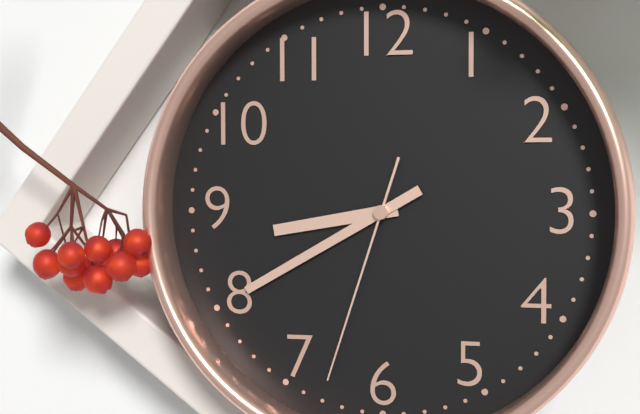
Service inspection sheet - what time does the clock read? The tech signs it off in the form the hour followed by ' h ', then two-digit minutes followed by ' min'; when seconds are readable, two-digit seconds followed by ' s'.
8 h 40 min 33 s
